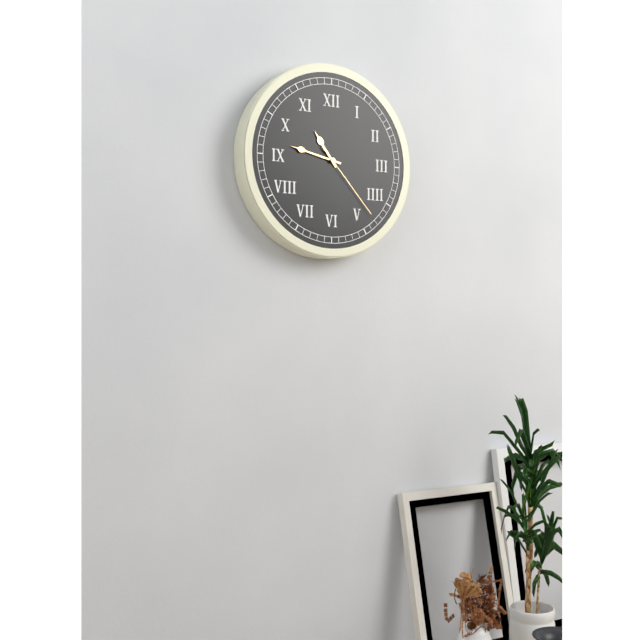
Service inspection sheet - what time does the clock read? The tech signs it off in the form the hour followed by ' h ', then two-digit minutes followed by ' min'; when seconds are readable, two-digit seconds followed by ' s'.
10 h 47 min 23 s
